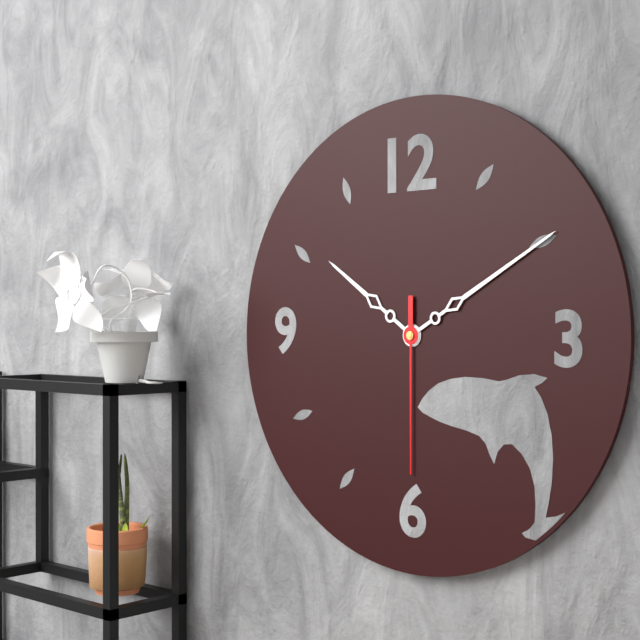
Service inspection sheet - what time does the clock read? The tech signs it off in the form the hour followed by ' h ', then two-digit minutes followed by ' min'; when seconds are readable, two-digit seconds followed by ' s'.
10 h 10 min 30 s
